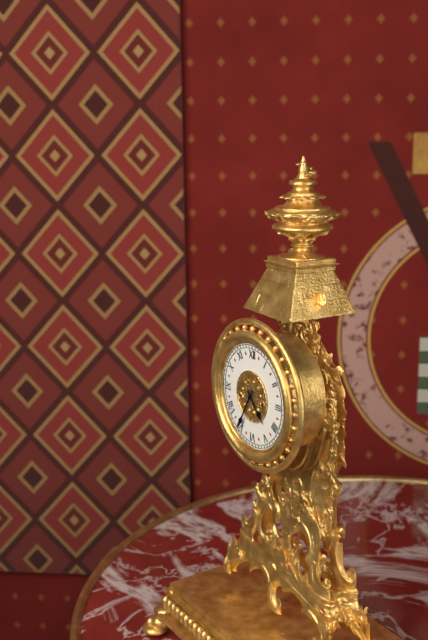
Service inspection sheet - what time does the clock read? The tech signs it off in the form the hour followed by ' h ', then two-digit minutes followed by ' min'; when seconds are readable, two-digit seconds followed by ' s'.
4 h 35 min
